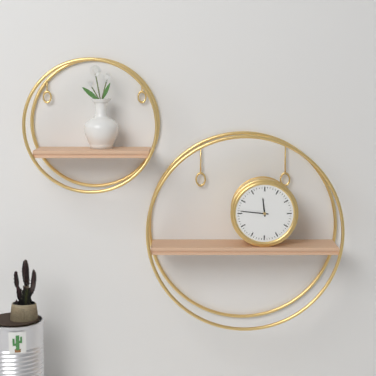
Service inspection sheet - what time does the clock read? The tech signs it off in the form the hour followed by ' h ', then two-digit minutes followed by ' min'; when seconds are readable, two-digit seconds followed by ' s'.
11 h 46 min
